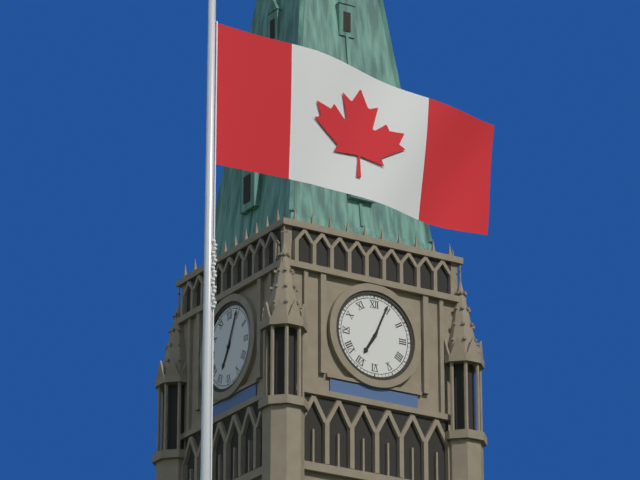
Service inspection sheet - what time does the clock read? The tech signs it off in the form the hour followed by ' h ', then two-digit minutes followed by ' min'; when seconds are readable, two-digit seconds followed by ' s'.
7 h 04 min
